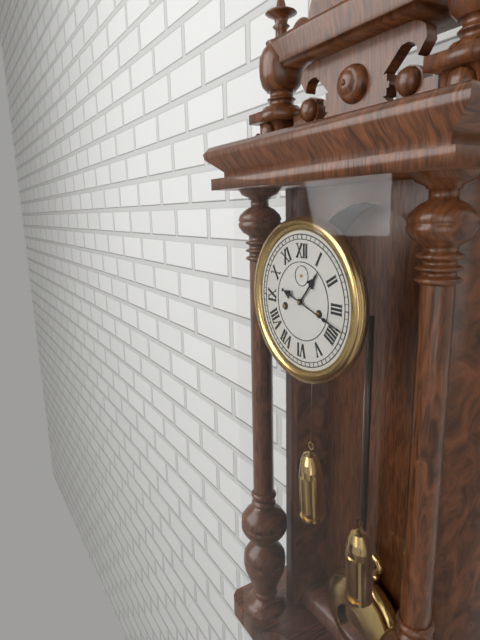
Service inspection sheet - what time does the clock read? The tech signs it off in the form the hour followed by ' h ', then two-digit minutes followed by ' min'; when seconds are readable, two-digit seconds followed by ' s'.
1 h 18 min
